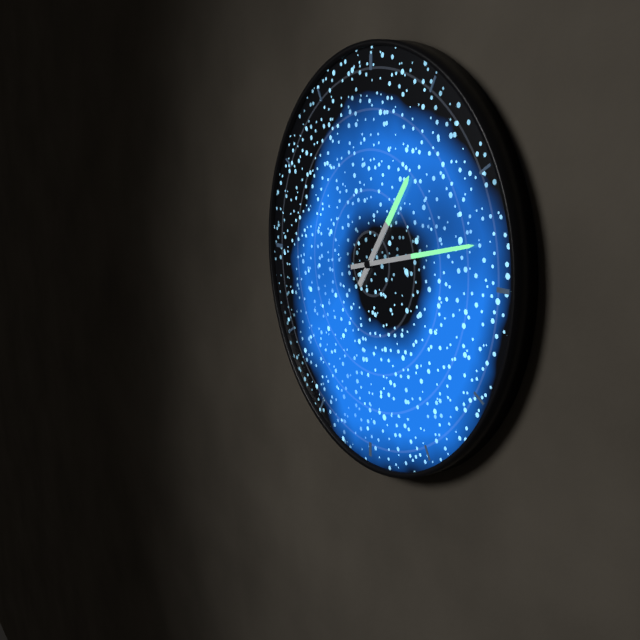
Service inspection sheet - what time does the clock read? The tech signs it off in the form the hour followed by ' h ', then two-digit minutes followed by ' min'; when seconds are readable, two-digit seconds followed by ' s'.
1 h 13 min
